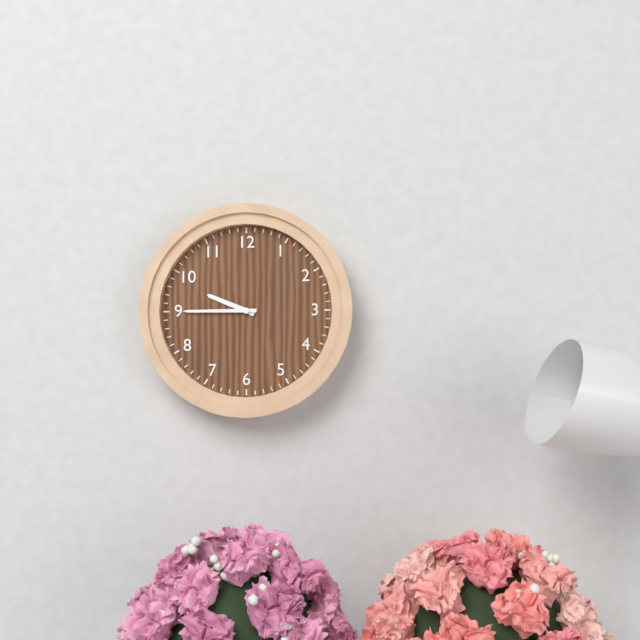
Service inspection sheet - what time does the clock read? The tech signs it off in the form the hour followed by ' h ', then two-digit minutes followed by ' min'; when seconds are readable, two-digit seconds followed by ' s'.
9 h 45 min
